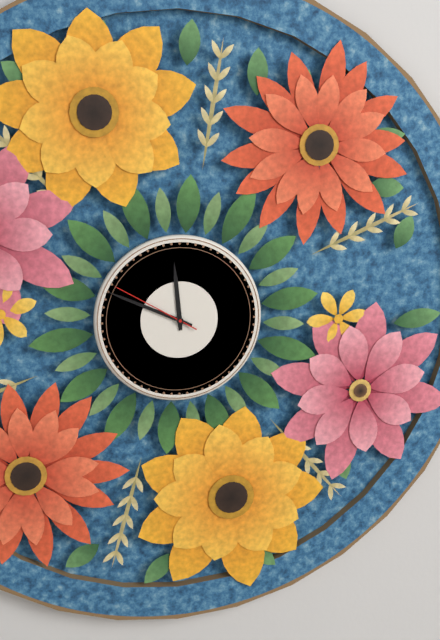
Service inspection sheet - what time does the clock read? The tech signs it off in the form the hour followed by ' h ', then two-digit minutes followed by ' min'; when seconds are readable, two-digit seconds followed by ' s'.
11 h 49 min 50 s
